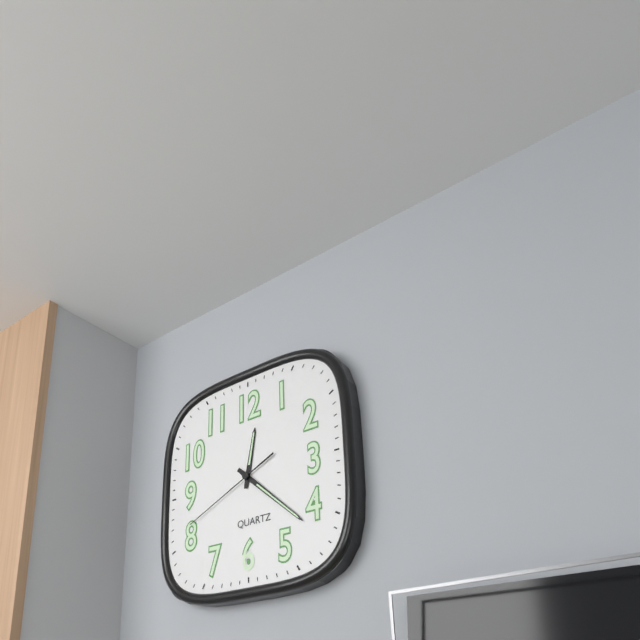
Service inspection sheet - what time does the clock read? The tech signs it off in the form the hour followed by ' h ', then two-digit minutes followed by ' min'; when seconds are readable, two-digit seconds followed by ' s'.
12 h 22 min 41 s
